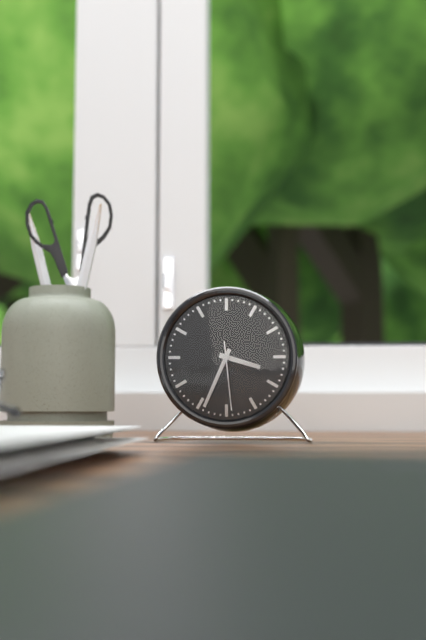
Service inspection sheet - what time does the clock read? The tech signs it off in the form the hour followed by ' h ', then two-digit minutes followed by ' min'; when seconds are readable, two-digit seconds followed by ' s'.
3 h 34 min 29 s
